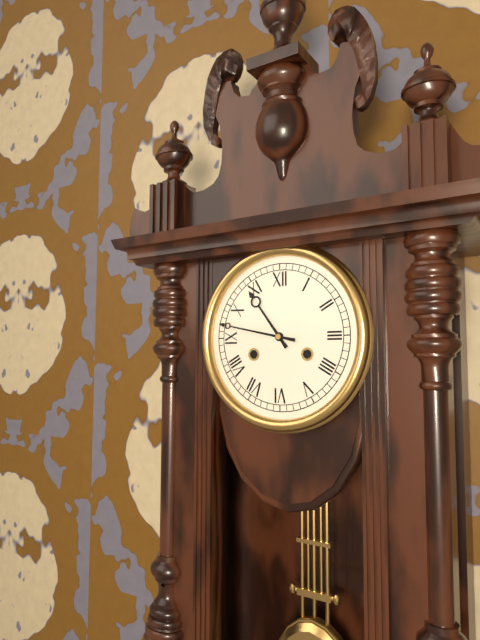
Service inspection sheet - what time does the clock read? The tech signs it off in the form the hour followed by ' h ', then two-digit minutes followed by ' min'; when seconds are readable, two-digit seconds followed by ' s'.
10 h 47 min
